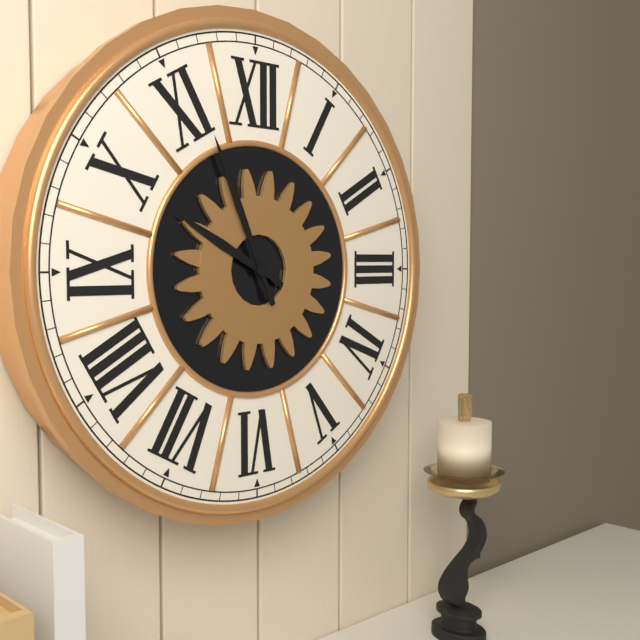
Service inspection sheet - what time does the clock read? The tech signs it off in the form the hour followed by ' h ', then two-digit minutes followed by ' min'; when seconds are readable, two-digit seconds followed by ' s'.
9 h 56 min
